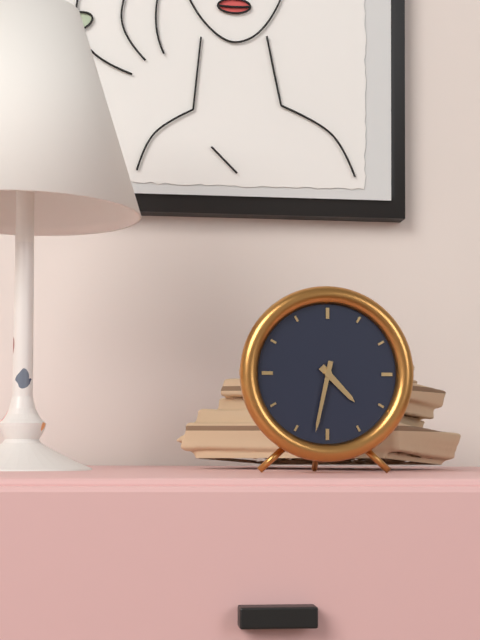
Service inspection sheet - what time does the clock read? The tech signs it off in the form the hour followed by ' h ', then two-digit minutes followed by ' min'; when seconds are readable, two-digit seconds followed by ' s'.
4 h 32 min
